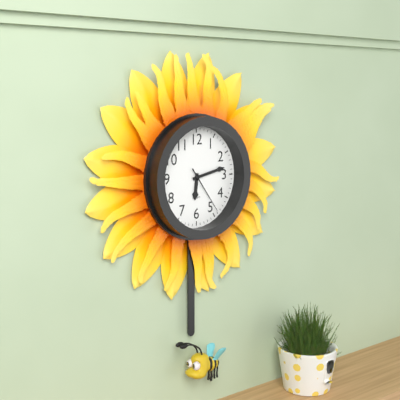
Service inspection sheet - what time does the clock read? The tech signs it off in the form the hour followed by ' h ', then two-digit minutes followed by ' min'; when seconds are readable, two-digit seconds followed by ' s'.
6 h 13 min
